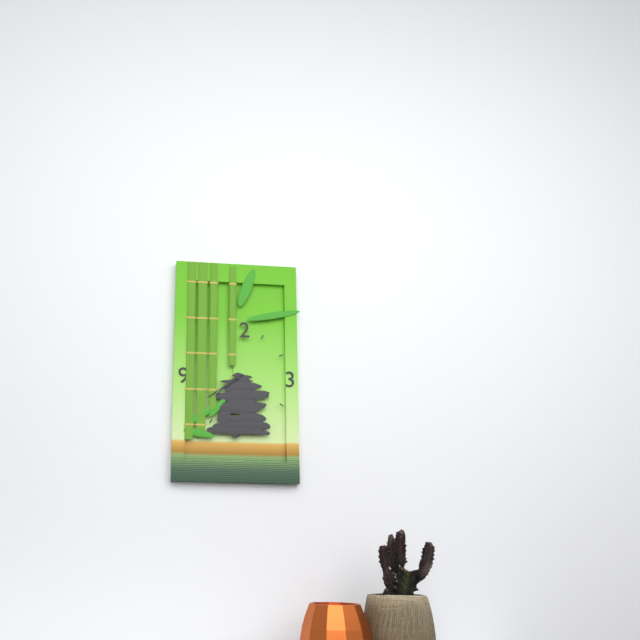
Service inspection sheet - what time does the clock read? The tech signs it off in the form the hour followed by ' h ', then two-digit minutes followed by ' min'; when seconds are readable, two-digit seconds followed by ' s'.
7 h 39 min
